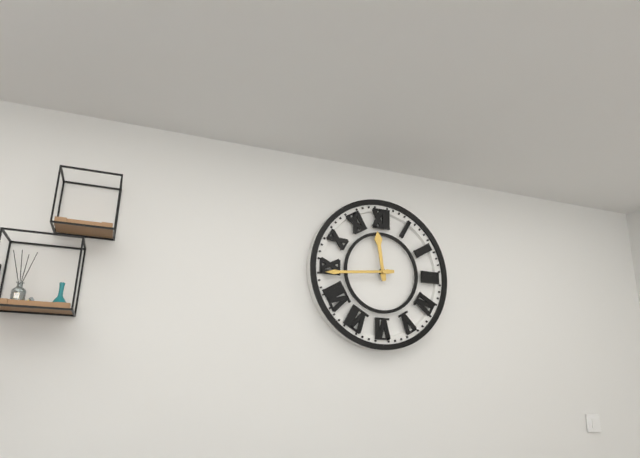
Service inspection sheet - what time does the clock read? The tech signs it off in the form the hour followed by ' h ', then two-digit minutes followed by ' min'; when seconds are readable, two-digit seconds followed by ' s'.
11 h 44 min
